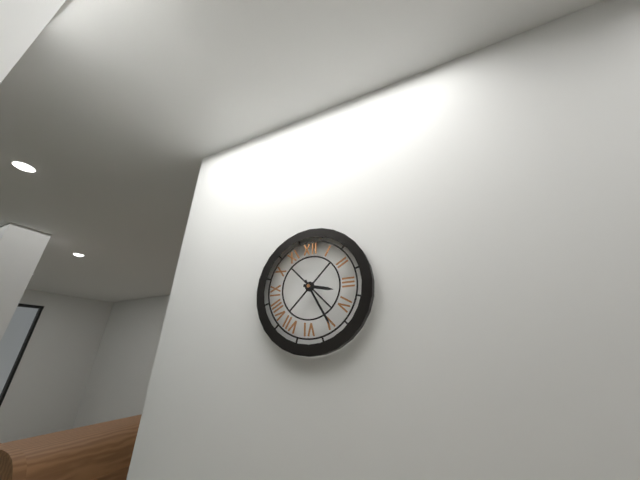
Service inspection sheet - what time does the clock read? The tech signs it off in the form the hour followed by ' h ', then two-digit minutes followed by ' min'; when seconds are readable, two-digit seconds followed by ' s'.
3 h 25 min
